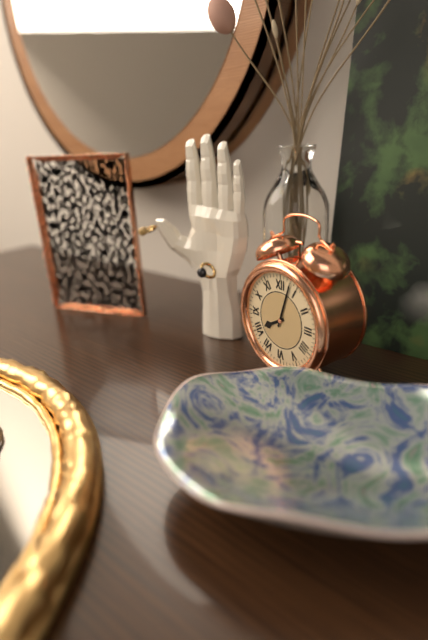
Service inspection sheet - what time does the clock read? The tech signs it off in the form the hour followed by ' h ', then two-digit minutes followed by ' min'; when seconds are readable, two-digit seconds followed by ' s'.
8 h 03 min
